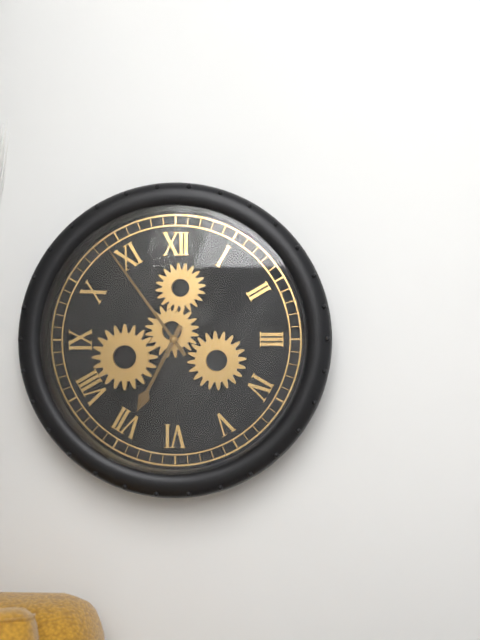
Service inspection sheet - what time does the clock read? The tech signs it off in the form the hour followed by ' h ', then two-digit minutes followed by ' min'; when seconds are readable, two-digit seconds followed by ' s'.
6 h 54 min
